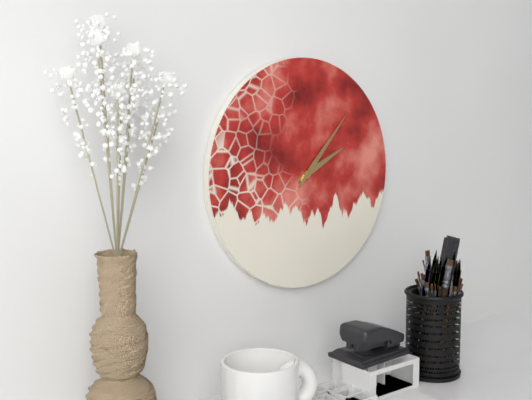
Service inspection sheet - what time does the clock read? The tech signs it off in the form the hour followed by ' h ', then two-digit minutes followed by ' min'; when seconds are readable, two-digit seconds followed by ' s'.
2 h 07 min
